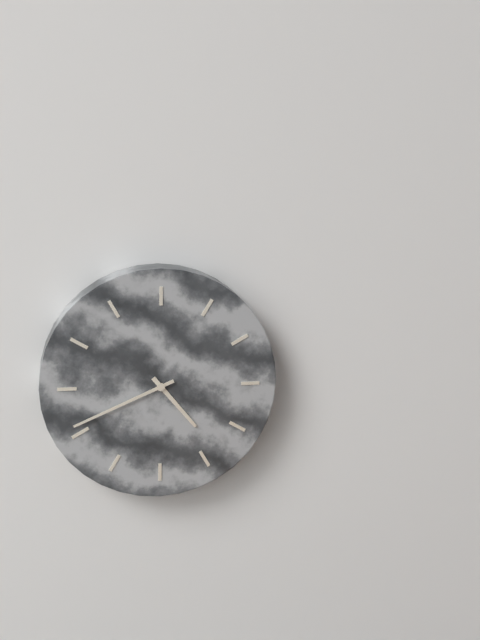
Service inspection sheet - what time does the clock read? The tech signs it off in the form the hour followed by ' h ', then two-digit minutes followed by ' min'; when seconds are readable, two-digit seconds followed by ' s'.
4 h 41 min
